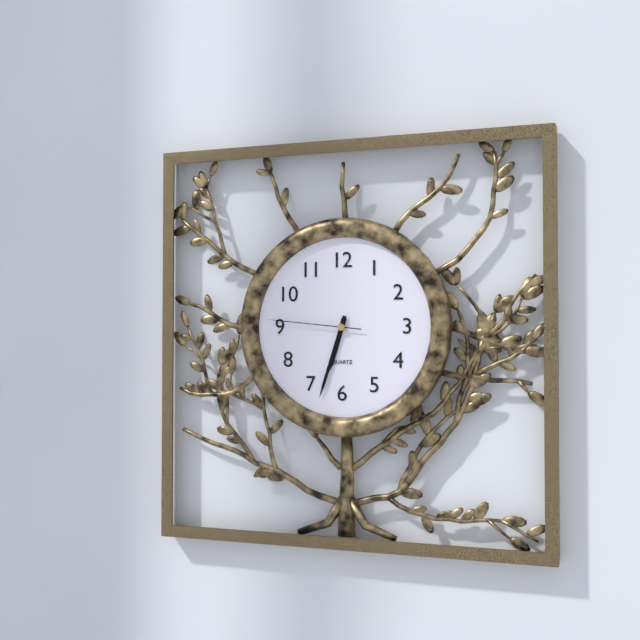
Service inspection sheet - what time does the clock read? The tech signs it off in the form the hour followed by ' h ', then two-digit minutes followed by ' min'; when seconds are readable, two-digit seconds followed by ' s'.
6 h 33 min 46 s
